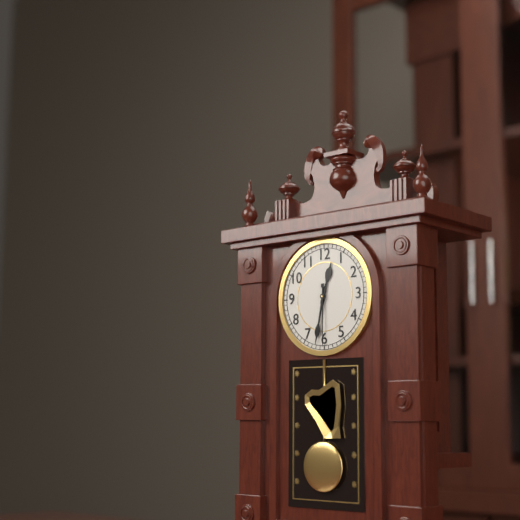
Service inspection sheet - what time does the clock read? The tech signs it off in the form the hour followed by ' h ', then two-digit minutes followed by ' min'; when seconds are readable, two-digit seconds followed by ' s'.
12 h 32 min 30 s
